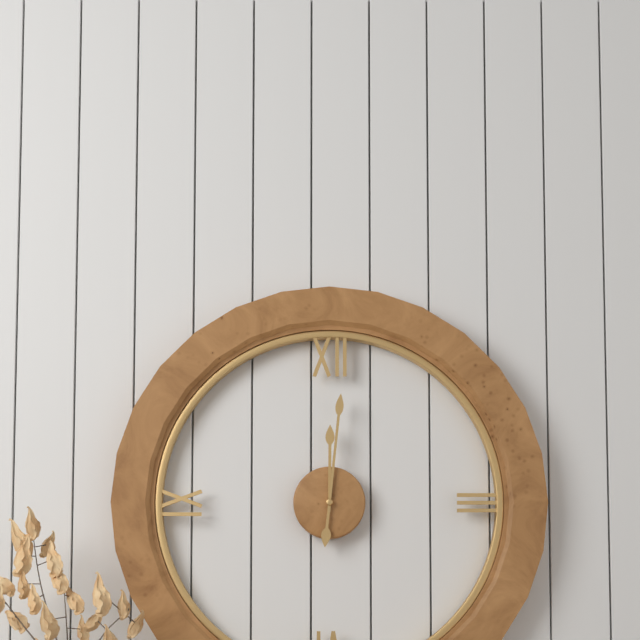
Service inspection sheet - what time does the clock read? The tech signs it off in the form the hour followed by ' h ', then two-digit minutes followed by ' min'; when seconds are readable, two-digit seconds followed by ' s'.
12 h 01 min
